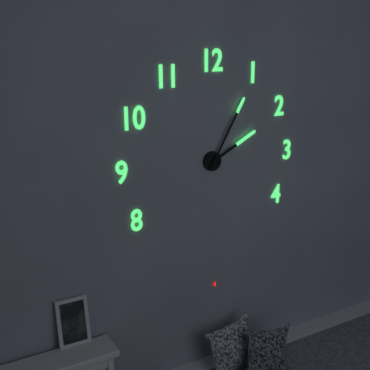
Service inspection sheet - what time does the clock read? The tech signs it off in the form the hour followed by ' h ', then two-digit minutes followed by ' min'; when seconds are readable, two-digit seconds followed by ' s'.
2 h 05 min
